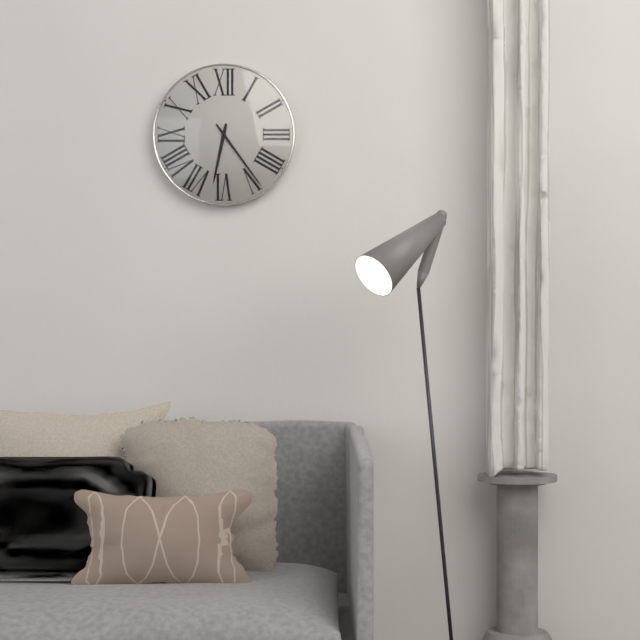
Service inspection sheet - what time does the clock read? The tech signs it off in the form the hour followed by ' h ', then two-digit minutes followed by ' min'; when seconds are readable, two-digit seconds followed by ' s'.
6 h 24 min
